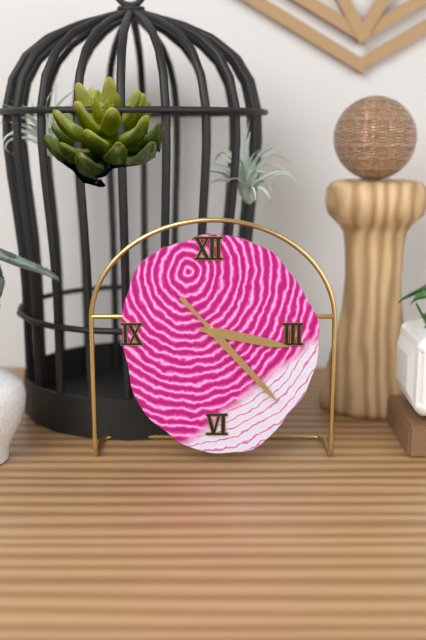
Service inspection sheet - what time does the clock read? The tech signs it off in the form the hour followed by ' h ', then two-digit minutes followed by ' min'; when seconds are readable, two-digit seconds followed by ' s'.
3 h 23 min 23 s
